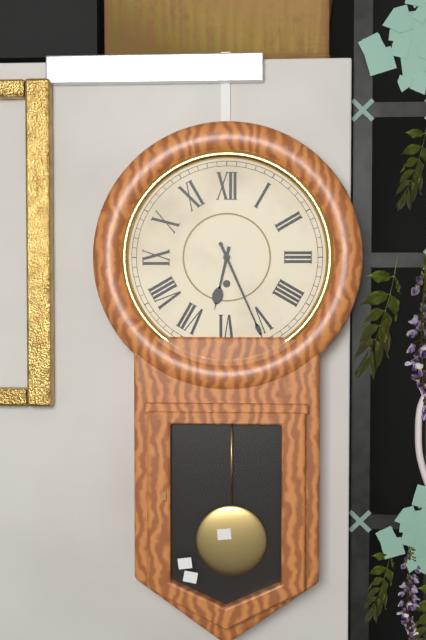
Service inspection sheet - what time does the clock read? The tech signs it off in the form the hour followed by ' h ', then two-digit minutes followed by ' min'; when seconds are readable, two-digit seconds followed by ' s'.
6 h 26 min
